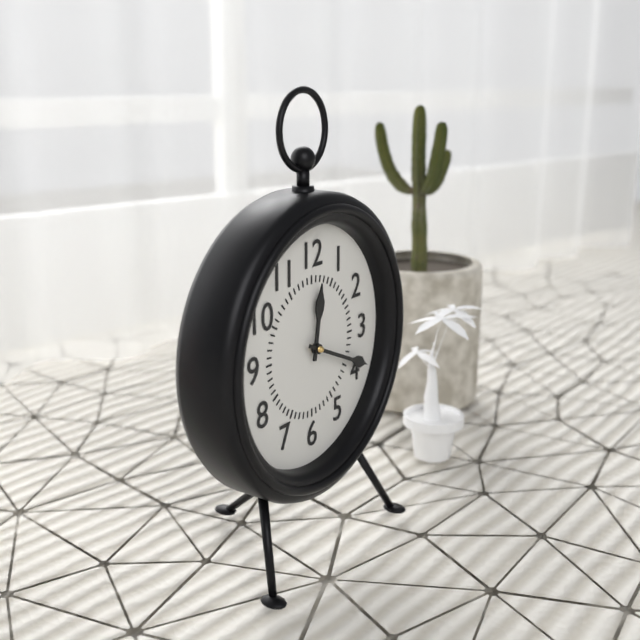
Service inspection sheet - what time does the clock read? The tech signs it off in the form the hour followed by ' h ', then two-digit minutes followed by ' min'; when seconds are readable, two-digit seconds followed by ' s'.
12 h 19 min
